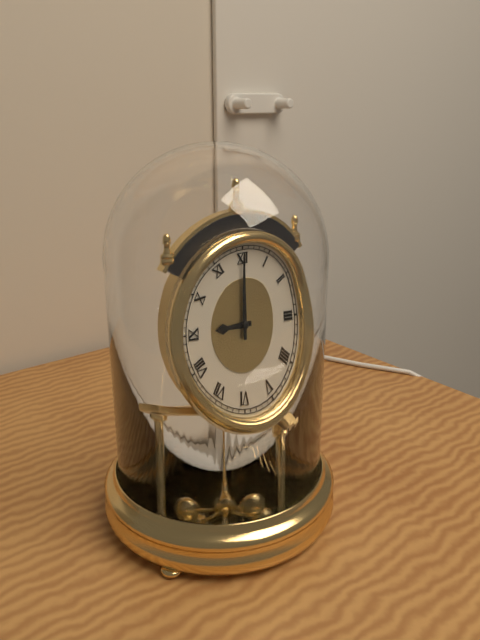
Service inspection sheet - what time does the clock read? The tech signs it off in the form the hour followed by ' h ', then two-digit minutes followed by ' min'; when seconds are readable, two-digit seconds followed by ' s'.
9 h 00 min
